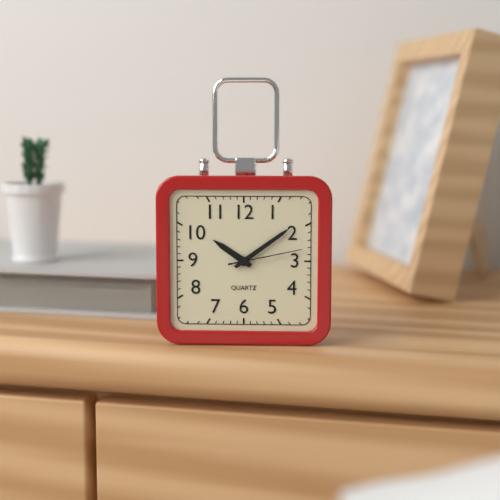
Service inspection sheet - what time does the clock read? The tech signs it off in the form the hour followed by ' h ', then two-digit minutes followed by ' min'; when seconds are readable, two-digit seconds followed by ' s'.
10 h 09 min 13 s
